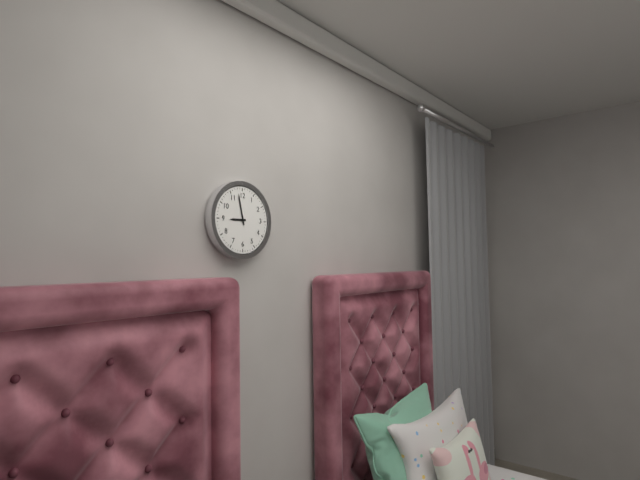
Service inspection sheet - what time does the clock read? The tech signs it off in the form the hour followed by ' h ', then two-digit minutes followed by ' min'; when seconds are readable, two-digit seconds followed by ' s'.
8 h 58 min
